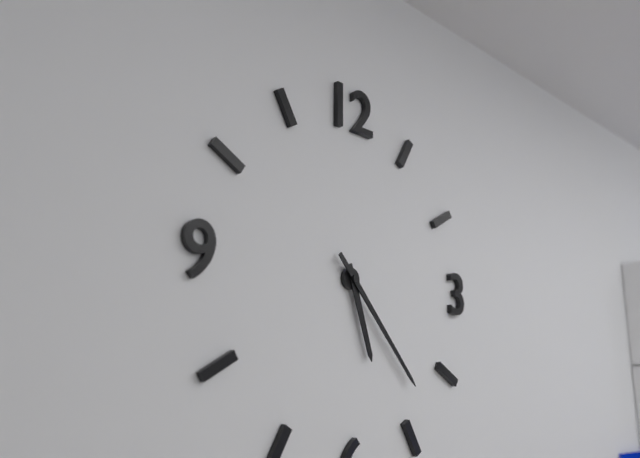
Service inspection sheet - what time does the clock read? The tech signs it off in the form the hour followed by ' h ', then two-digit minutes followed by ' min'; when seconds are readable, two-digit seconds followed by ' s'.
5 h 23 min
